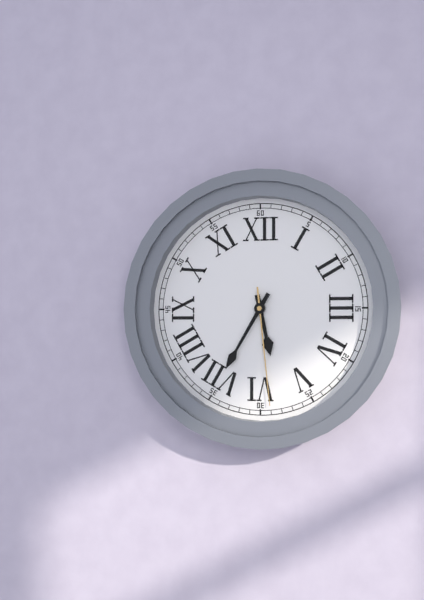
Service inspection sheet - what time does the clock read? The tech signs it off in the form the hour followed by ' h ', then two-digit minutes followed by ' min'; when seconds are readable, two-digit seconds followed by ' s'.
5 h 35 min 29 s
